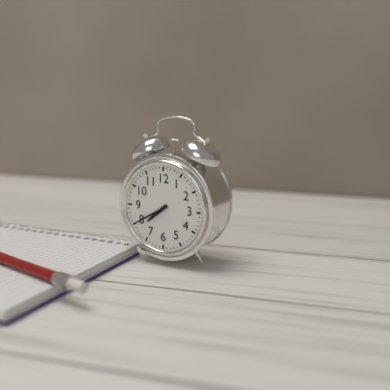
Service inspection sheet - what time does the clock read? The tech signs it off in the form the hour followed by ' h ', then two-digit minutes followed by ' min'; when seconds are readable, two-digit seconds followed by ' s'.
7 h 40 min
